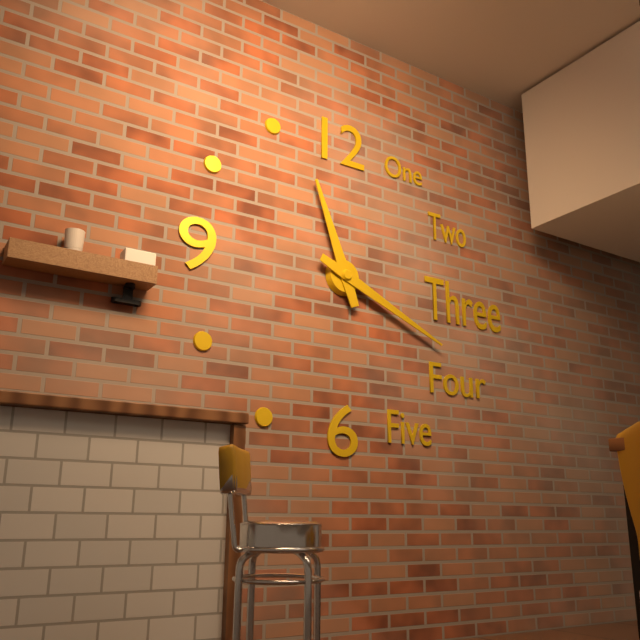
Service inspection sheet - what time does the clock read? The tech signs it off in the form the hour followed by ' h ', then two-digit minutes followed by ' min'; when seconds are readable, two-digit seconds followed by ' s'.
11 h 19 min
